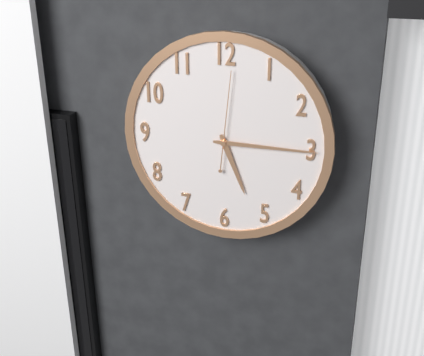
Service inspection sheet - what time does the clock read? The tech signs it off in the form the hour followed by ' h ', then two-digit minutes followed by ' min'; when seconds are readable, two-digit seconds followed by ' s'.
5 h 15 min 01 s
